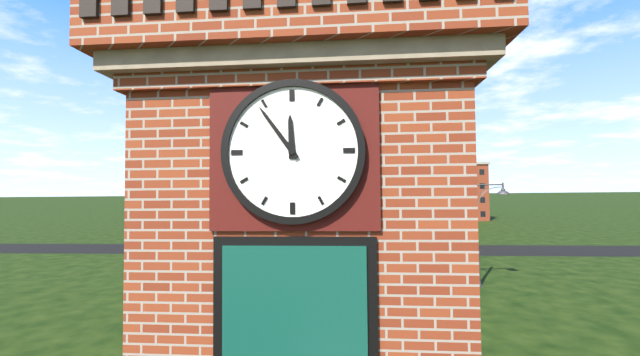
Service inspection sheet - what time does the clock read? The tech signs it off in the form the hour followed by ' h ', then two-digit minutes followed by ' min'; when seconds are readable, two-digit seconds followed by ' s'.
11 h 54 min
